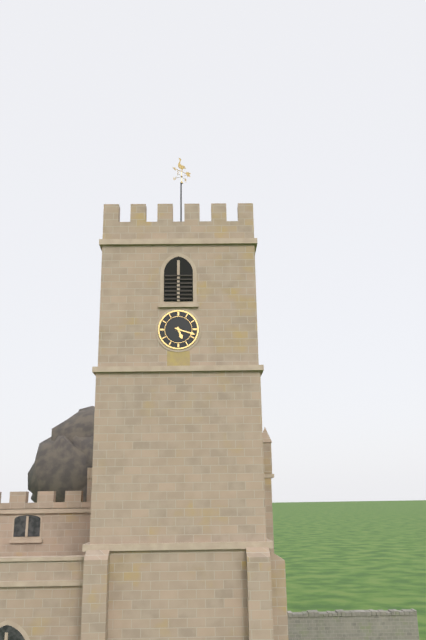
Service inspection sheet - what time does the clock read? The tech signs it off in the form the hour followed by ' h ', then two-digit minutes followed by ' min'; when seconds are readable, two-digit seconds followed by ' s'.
5 h 18 min
